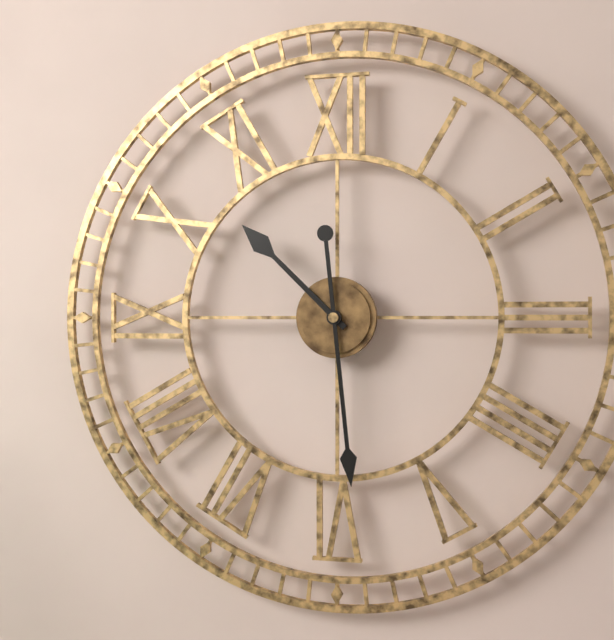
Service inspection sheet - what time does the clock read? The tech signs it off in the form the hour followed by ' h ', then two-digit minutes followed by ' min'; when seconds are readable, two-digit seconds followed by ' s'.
10 h 29 min
